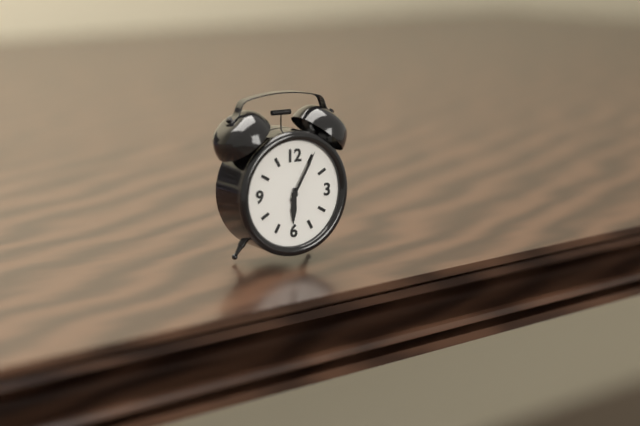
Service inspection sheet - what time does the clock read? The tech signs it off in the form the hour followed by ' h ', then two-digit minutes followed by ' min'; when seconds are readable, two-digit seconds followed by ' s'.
6 h 05 min
